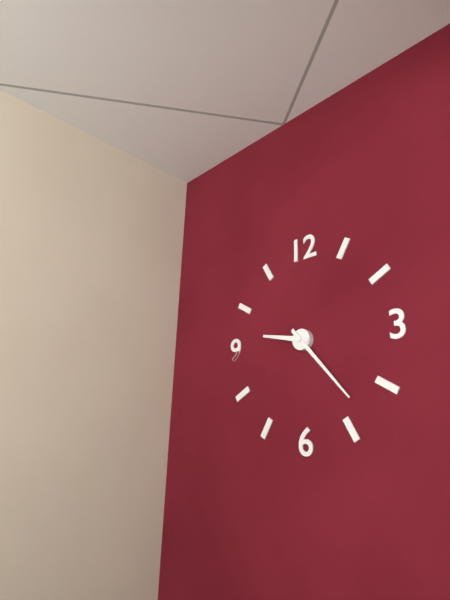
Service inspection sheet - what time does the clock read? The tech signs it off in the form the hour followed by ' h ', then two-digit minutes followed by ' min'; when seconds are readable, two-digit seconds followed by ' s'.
9 h 23 min
